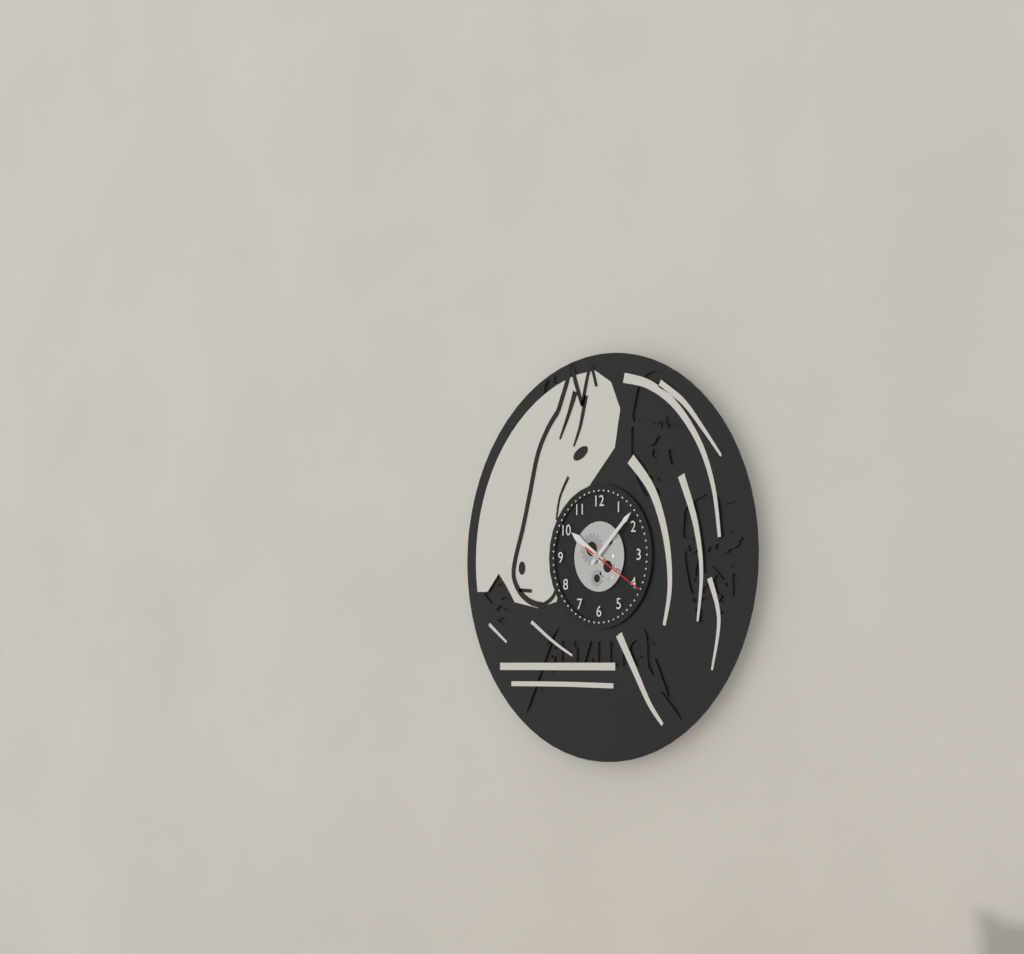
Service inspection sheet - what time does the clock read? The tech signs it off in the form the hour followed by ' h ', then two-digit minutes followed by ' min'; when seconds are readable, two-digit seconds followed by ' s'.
10 h 08 min 20 s
